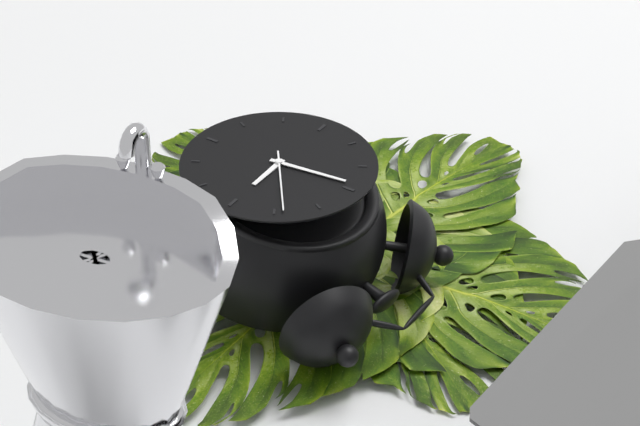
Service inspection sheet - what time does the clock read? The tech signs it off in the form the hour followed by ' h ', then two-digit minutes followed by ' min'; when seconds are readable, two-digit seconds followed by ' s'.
2 h 59 min 09 s
